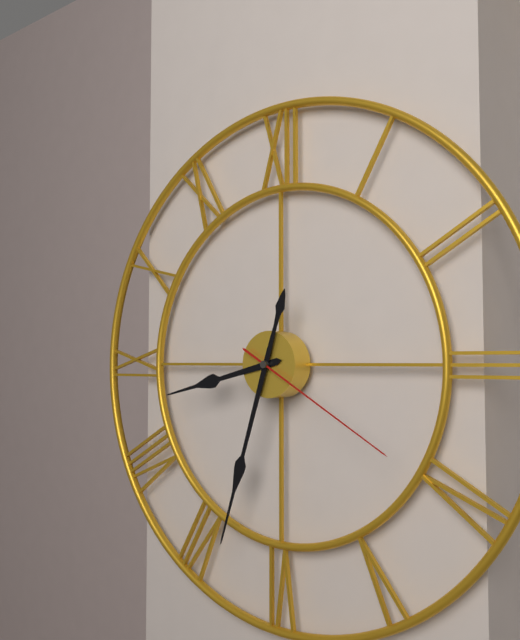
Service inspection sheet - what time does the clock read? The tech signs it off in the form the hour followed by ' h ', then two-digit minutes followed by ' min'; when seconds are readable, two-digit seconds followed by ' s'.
8 h 33 min 20 s
